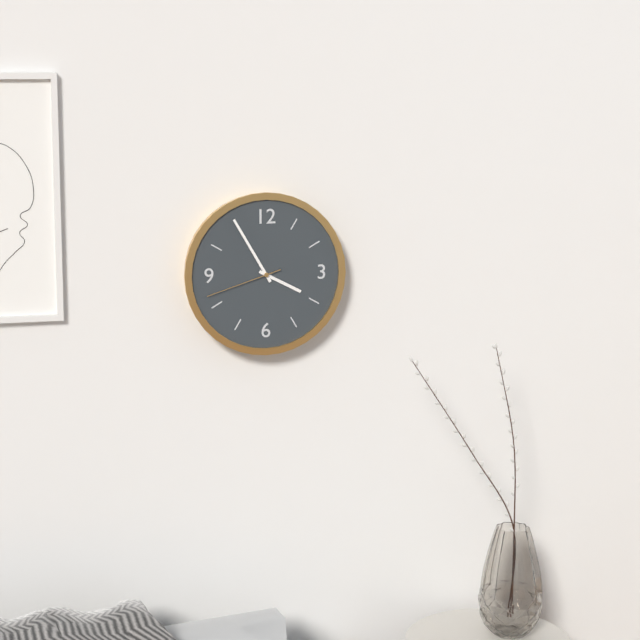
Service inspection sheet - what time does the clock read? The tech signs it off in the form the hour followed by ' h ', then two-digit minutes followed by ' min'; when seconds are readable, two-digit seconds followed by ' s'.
3 h 55 min 42 s
